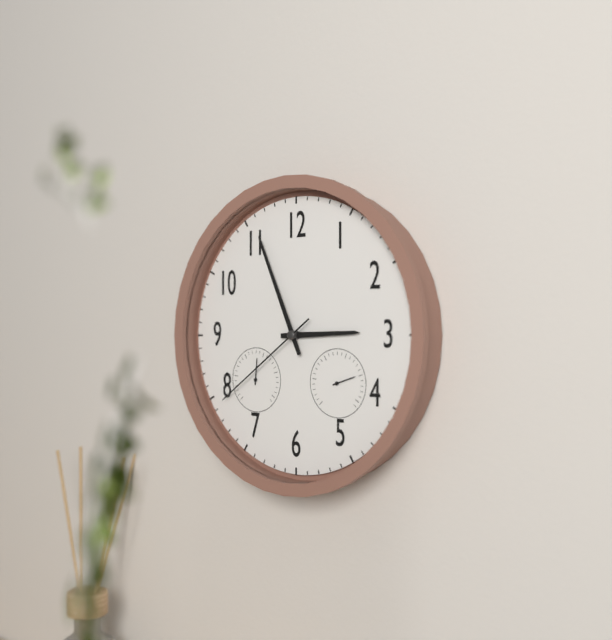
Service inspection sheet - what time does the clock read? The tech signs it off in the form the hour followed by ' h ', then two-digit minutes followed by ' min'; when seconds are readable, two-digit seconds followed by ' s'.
2 h 56 min 39 s
